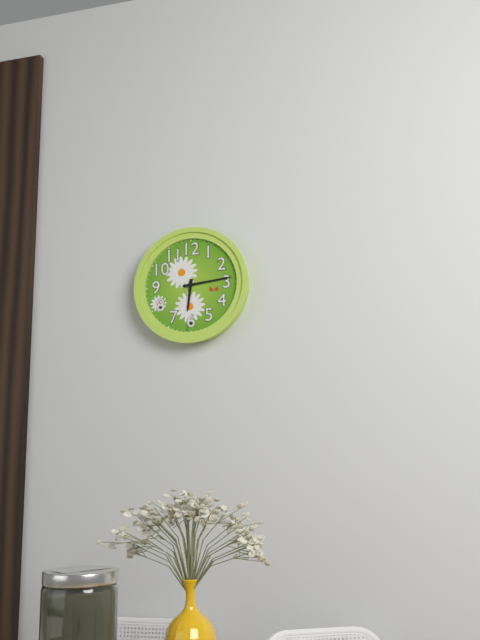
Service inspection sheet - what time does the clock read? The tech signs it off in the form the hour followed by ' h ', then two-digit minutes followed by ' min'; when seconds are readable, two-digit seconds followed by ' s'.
6 h 14 min
